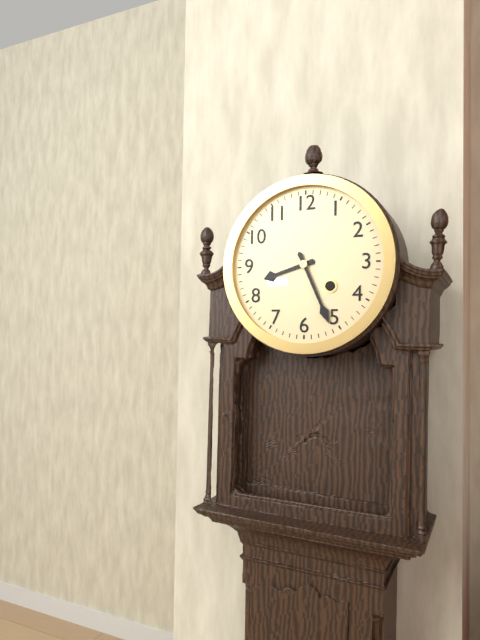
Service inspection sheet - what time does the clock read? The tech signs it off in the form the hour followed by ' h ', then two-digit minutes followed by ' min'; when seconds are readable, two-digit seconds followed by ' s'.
8 h 26 min
